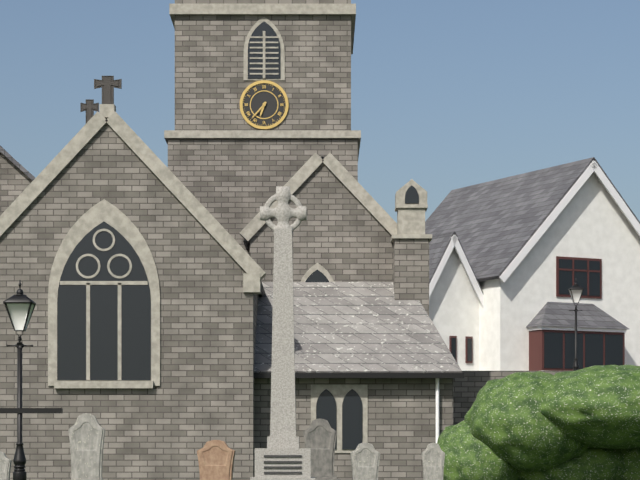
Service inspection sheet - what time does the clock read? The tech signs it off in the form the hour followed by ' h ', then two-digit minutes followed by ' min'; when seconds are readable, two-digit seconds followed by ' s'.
6 h 37 min
